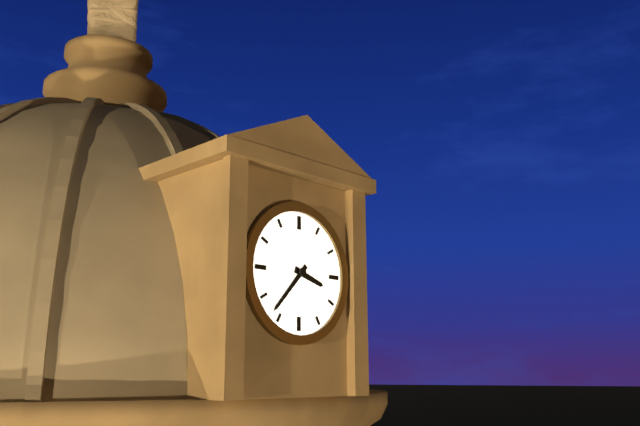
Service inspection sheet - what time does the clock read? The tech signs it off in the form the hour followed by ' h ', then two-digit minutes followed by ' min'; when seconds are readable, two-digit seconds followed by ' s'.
3 h 37 min
